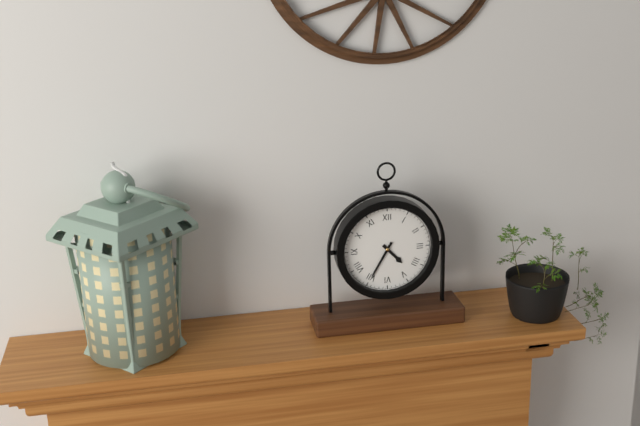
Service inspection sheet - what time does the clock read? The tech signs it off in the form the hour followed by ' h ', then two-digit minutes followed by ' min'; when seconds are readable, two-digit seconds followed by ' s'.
4 h 35 min
